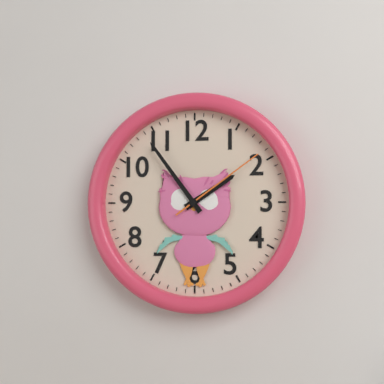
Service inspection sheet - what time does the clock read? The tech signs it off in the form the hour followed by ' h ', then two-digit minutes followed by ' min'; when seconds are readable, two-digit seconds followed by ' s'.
1 h 54 min 09 s
